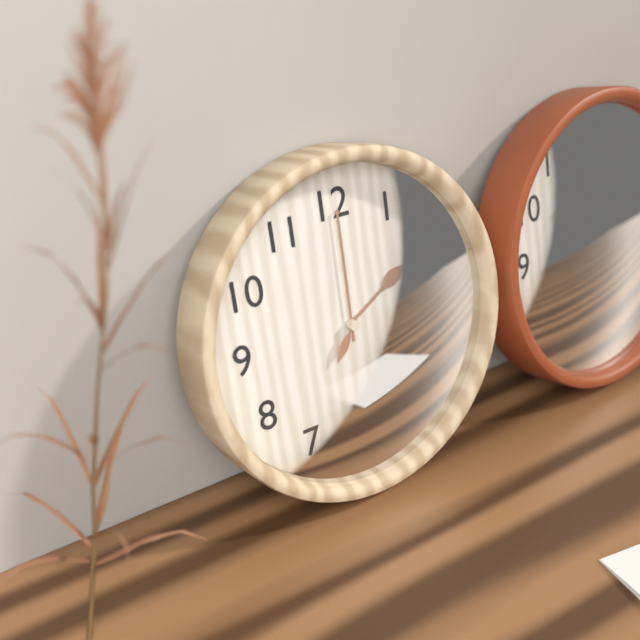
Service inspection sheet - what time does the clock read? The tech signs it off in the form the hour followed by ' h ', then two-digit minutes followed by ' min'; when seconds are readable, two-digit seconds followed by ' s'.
2 h 00 min 36 s
